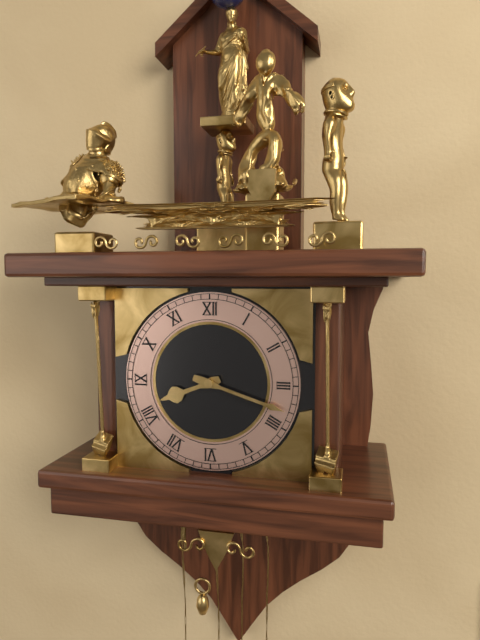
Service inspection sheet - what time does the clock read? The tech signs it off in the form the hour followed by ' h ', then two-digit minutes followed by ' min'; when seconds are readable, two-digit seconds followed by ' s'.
8 h 18 min
